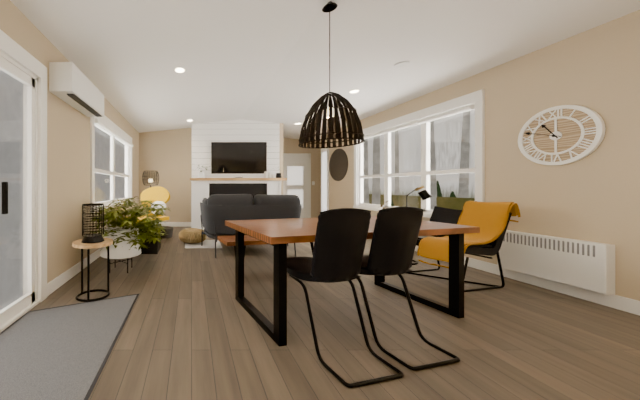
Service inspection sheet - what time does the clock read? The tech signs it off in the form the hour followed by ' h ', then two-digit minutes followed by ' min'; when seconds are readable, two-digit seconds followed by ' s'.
10 h 48 min
